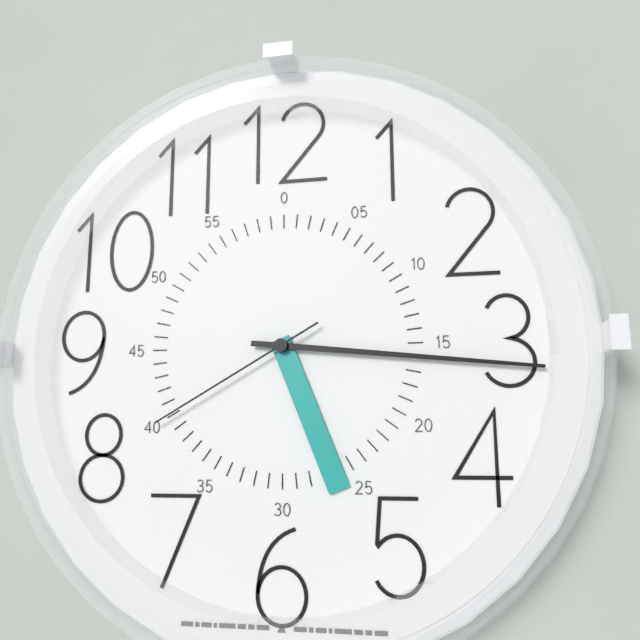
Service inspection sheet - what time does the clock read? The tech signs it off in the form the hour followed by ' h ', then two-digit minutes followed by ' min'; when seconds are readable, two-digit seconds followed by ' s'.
5 h 16 min 40 s
